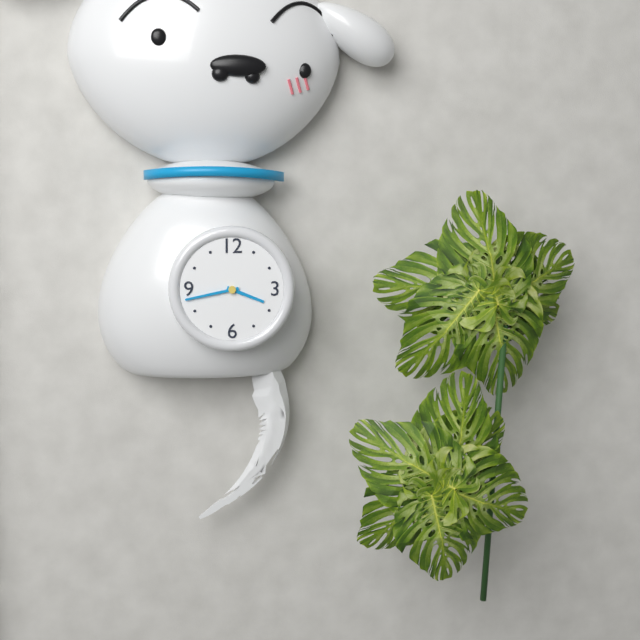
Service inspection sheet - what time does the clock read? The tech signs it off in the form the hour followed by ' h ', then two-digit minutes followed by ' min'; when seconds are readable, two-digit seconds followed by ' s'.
3 h 43 min
